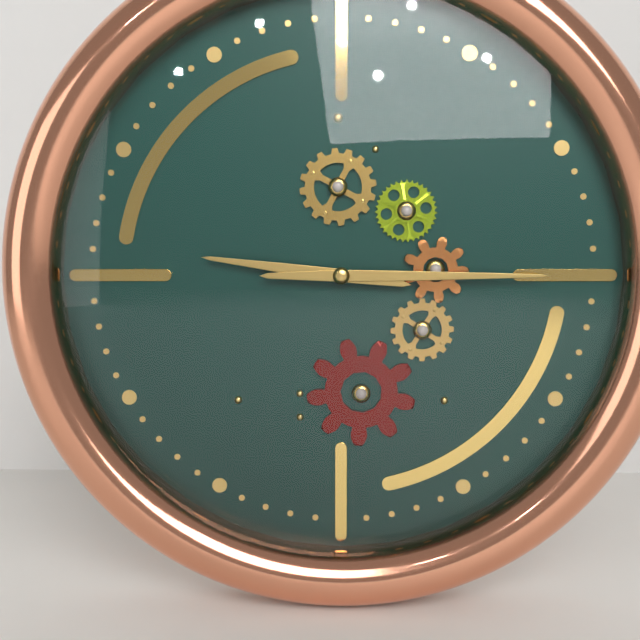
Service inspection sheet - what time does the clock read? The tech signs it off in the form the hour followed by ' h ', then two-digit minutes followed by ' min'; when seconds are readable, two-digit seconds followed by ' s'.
9 h 15 min
